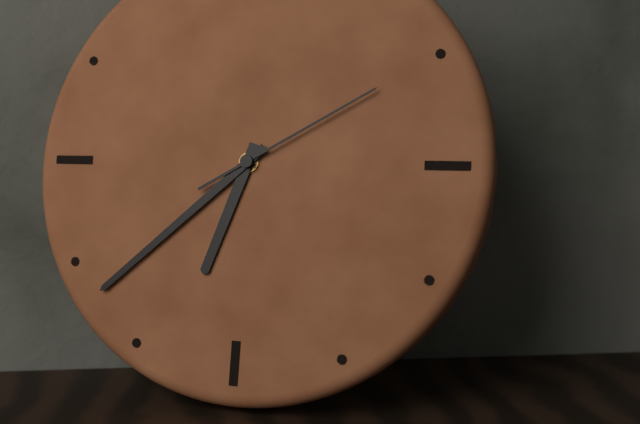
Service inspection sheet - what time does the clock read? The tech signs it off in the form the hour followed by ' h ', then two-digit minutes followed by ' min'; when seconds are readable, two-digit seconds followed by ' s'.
6 h 38 min 10 s
